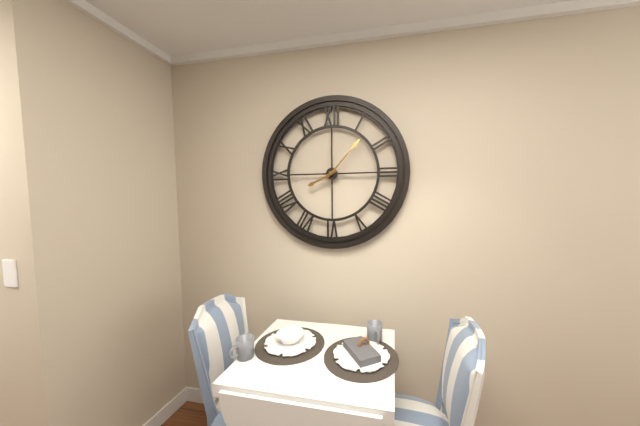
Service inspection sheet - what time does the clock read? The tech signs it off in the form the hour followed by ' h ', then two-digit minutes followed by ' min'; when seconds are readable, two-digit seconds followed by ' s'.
8 h 07 min
